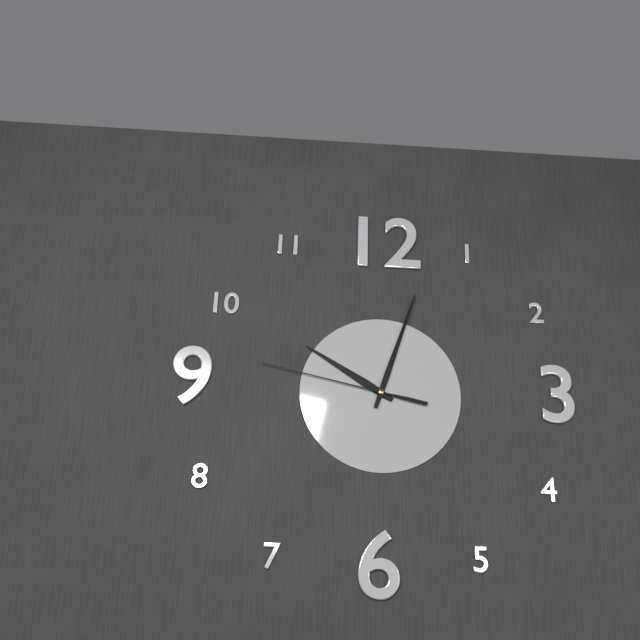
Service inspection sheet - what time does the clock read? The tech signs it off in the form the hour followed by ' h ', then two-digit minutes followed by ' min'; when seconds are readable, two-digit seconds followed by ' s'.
10 h 03 min 47 s
